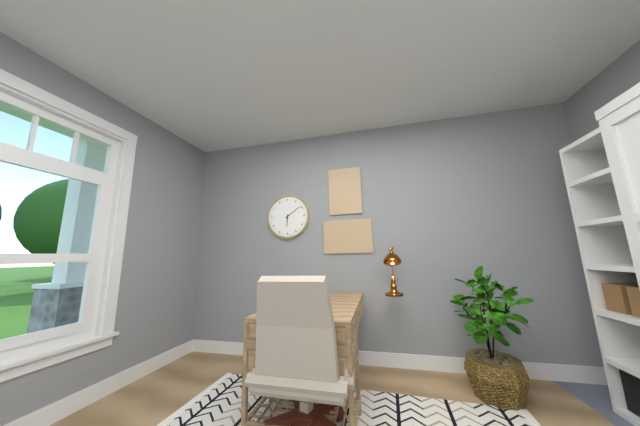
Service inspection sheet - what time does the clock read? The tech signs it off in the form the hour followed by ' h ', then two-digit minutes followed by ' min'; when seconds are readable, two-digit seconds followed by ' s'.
6 h 09 min
